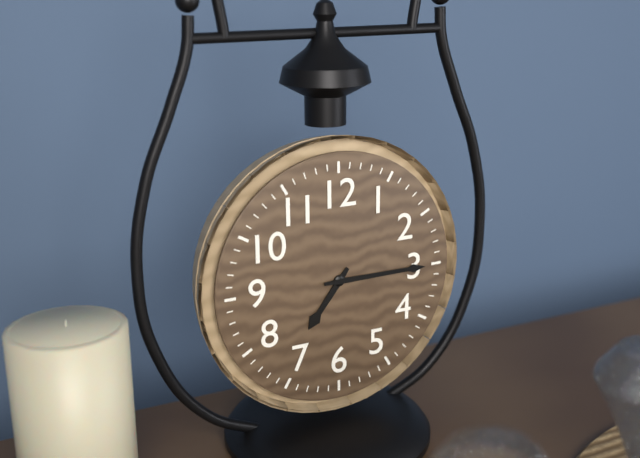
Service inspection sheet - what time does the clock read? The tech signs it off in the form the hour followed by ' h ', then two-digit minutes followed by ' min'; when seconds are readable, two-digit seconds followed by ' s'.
7 h 15 min
